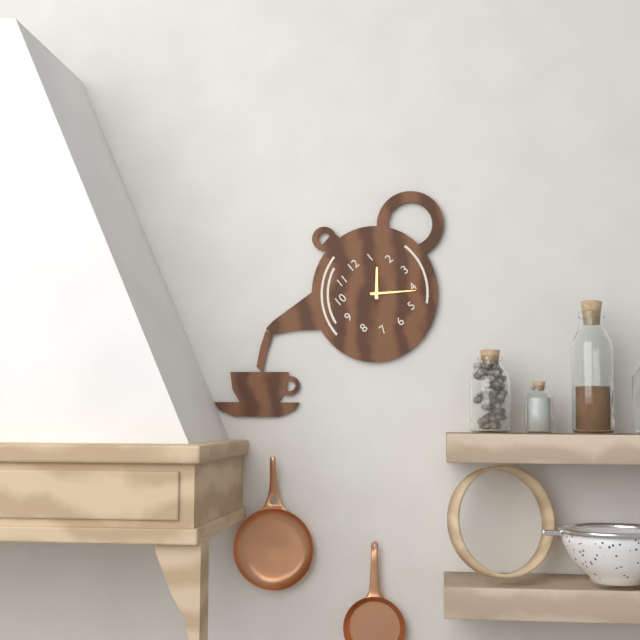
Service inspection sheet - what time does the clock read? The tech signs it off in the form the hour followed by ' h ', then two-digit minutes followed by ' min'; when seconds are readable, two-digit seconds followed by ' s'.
1 h 21 min
